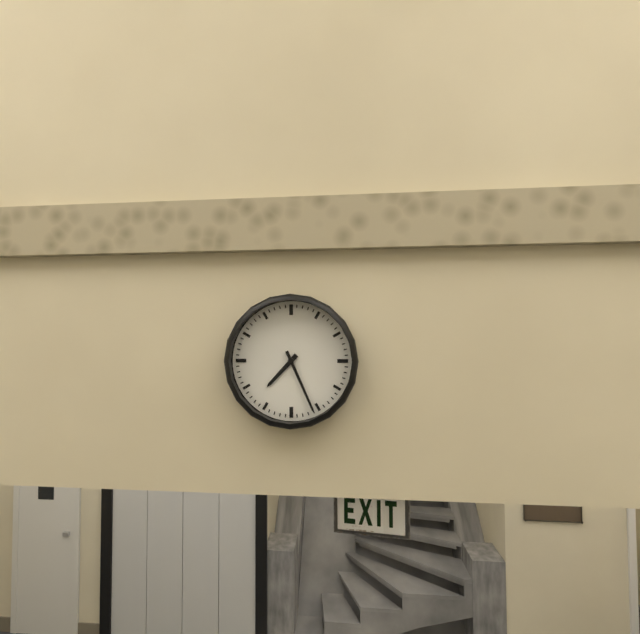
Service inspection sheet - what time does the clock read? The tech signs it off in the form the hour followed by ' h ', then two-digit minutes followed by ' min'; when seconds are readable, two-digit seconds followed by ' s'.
7 h 26 min
